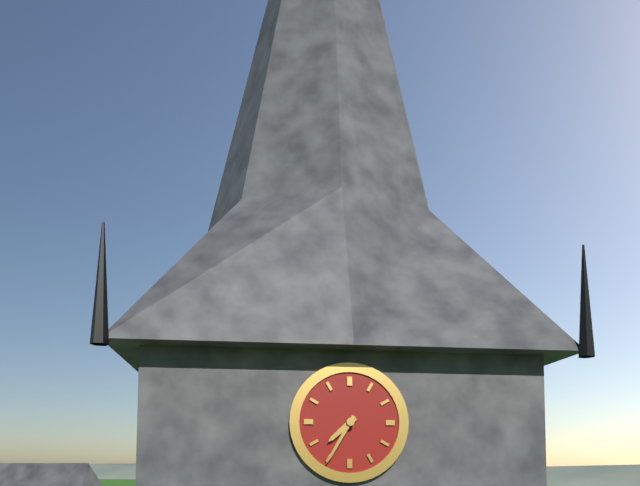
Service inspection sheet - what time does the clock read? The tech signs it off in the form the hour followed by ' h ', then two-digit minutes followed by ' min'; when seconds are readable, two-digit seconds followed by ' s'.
7 h 35 min
